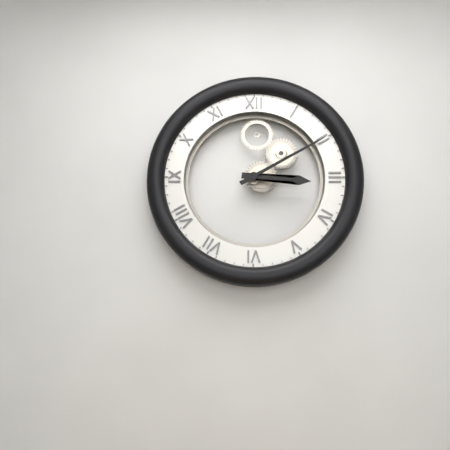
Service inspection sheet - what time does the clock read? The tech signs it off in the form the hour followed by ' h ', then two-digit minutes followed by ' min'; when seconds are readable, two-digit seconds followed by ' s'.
3 h 10 min
